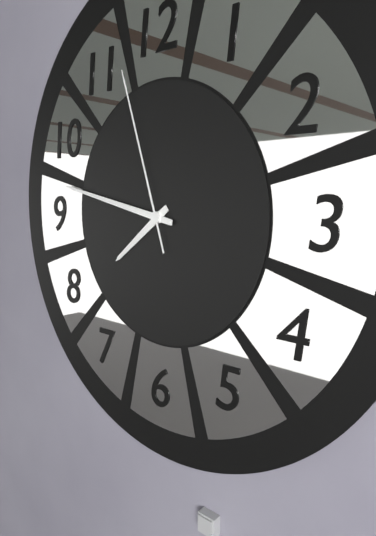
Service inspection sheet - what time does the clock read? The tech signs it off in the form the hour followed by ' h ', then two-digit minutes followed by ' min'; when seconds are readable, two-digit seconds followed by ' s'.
7 h 47 min 57 s
